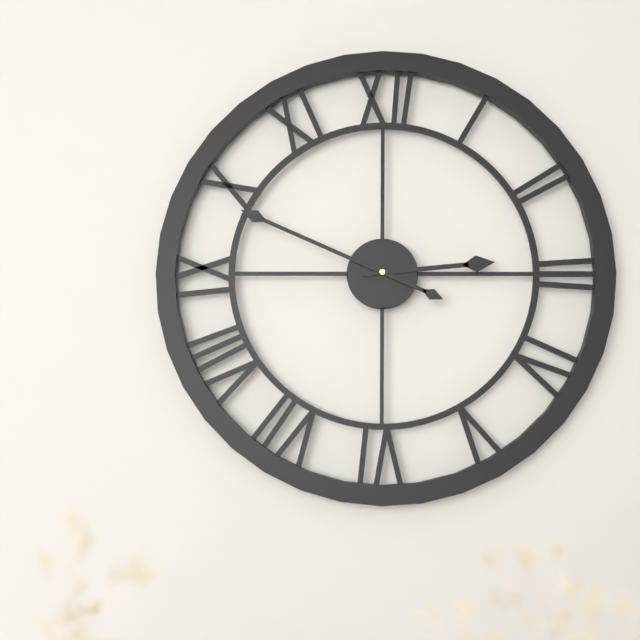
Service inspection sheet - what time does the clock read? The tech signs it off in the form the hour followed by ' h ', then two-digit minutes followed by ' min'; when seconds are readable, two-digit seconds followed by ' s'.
2 h 49 min
